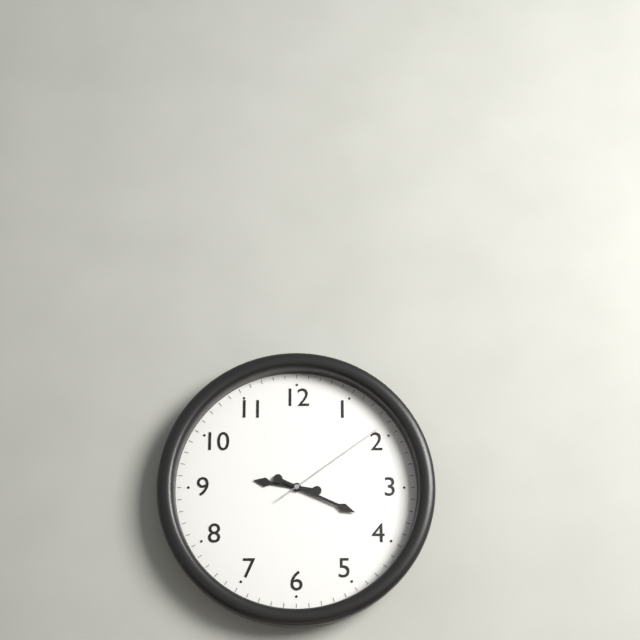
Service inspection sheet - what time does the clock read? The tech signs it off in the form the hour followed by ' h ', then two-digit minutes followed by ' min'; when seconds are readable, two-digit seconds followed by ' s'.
9 h 19 min 09 s
